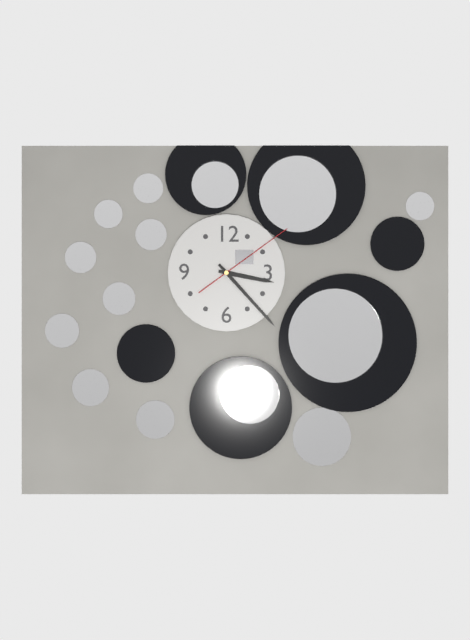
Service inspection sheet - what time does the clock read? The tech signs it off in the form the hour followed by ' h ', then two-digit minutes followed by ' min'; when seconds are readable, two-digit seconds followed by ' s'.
3 h 23 min 09 s
